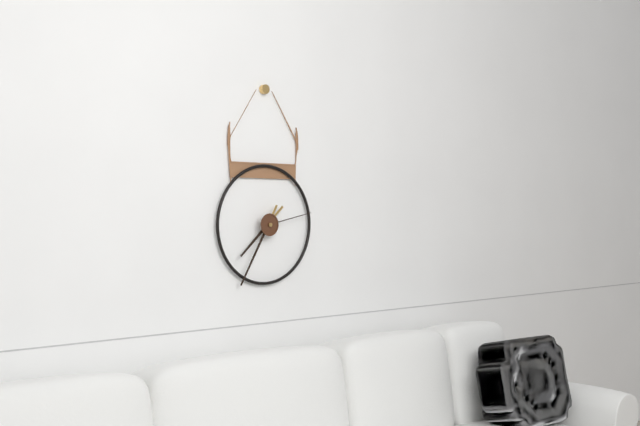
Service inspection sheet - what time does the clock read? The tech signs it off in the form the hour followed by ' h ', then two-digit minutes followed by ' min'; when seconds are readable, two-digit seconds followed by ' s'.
7 h 35 min 13 s
